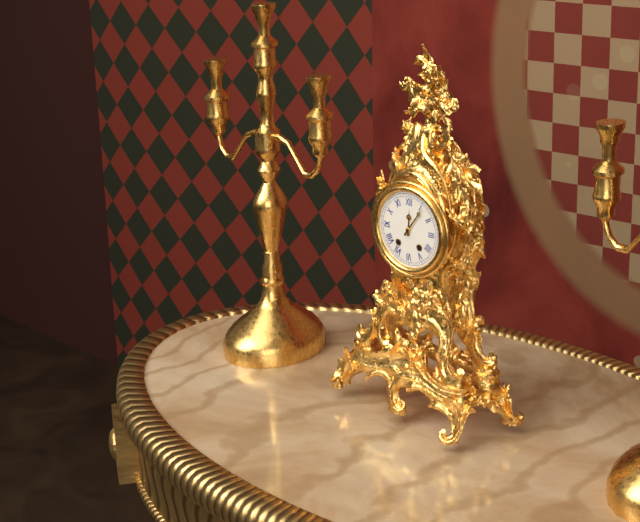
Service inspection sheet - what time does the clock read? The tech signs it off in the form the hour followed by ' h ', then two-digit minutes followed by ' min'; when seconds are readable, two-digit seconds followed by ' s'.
12 h 06 min
